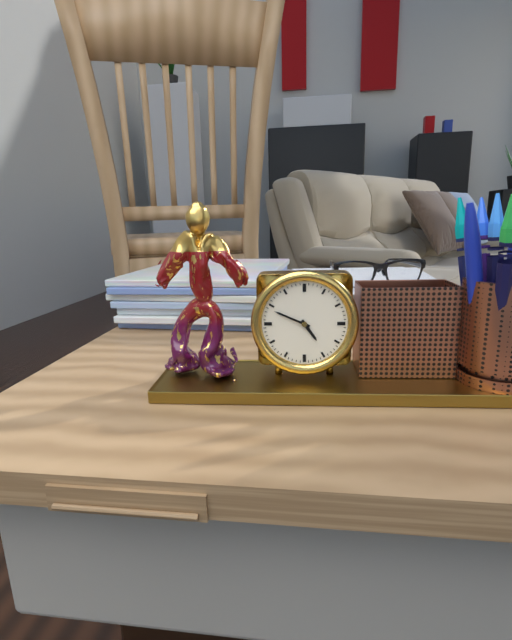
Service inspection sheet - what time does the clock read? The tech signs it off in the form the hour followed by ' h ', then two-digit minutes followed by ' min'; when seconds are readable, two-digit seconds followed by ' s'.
4 h 49 min
